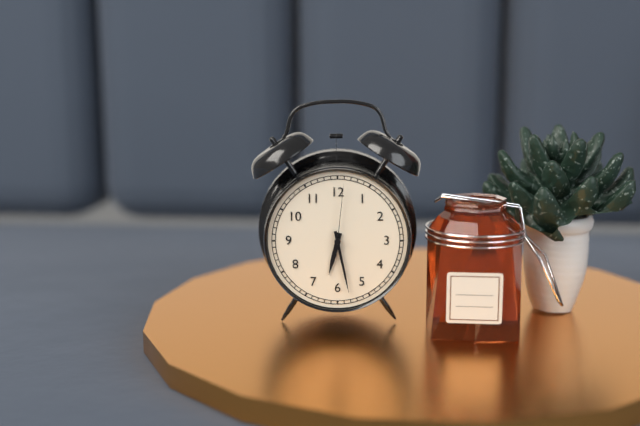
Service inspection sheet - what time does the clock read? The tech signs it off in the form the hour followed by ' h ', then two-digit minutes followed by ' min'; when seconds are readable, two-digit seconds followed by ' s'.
6 h 28 min 01 s
